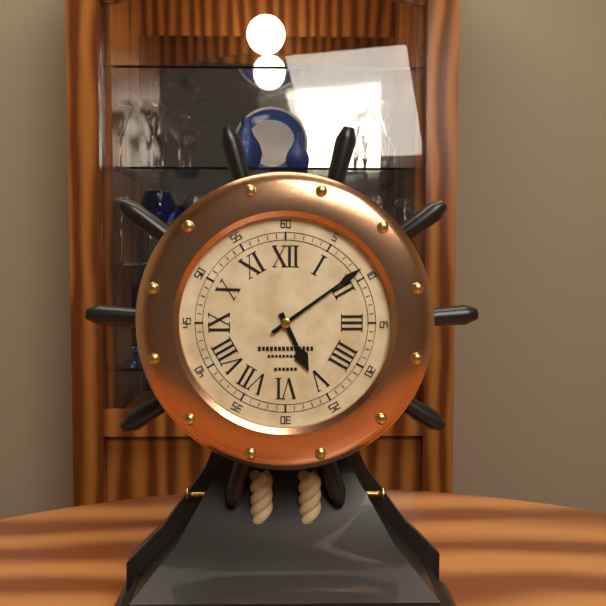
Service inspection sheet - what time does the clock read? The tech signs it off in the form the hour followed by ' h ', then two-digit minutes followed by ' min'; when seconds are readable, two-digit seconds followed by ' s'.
5 h 09 min
